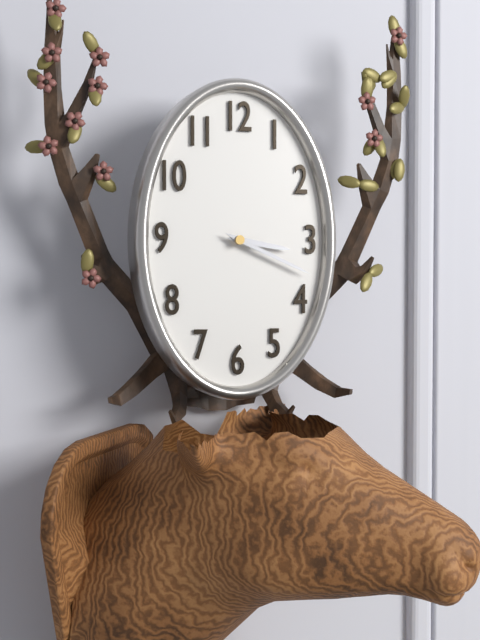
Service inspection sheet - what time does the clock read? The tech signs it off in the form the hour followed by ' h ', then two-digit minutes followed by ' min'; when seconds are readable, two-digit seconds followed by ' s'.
3 h 19 min
